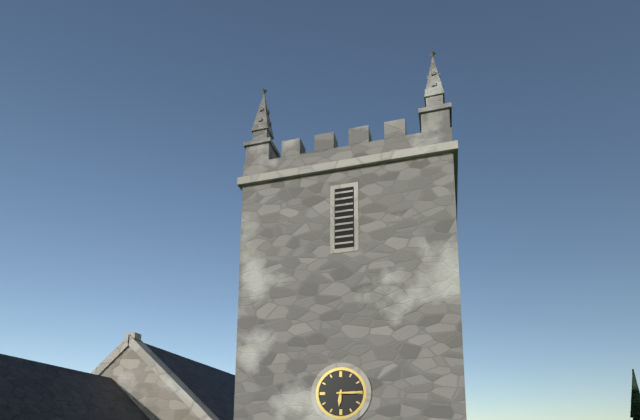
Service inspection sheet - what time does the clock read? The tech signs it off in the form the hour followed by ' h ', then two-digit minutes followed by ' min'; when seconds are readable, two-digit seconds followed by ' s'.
6 h 15 min
